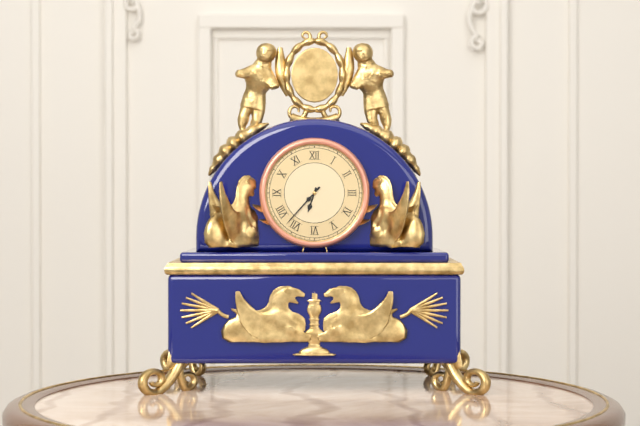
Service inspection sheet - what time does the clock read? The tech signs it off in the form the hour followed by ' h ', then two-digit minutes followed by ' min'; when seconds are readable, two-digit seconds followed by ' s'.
6 h 37 min
